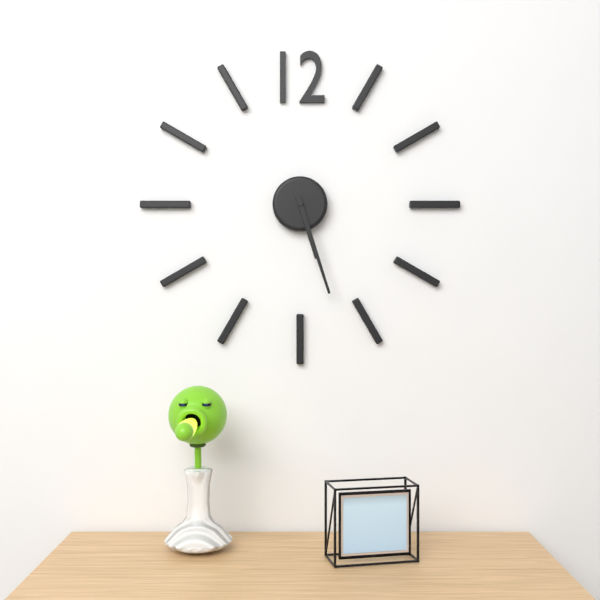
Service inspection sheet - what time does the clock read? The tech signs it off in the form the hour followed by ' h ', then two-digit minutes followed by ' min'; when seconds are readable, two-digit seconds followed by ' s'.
5 h 27 min
